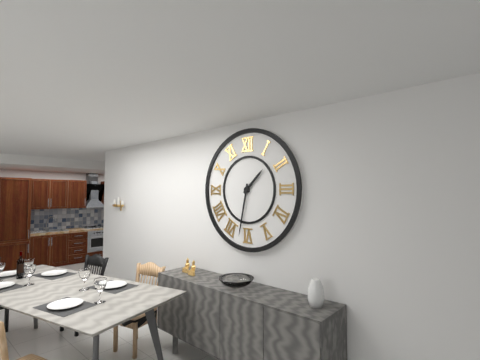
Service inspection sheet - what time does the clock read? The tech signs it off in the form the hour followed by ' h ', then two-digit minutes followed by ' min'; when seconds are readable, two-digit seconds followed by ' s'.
1 h 32 min
